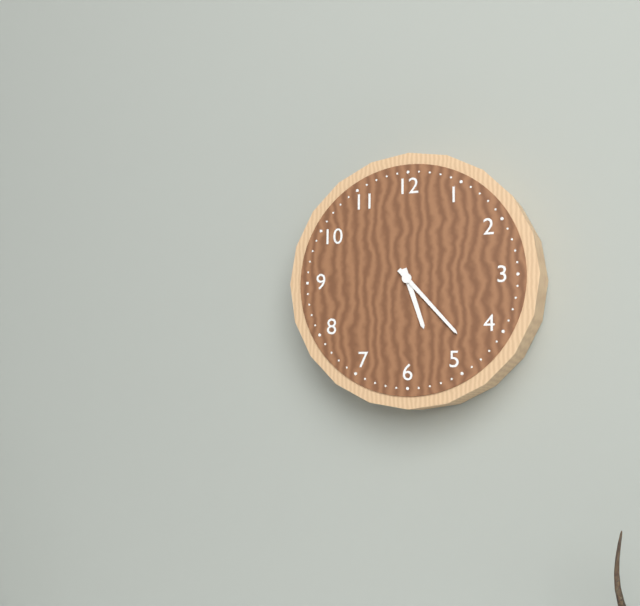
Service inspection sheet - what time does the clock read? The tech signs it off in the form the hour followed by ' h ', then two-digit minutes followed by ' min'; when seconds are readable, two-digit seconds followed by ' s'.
5 h 23 min
